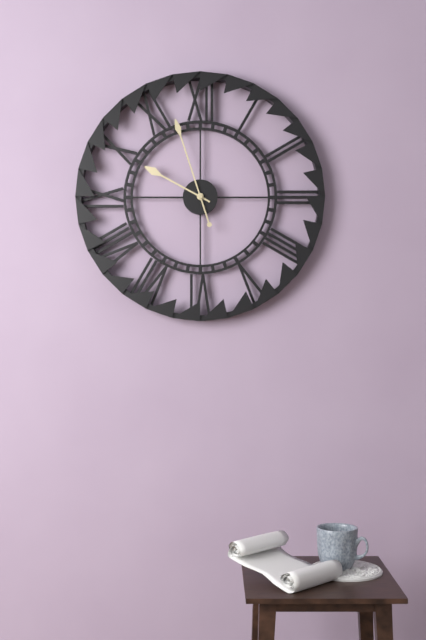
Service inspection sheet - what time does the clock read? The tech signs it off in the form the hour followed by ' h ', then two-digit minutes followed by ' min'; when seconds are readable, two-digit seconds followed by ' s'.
9 h 57 min
